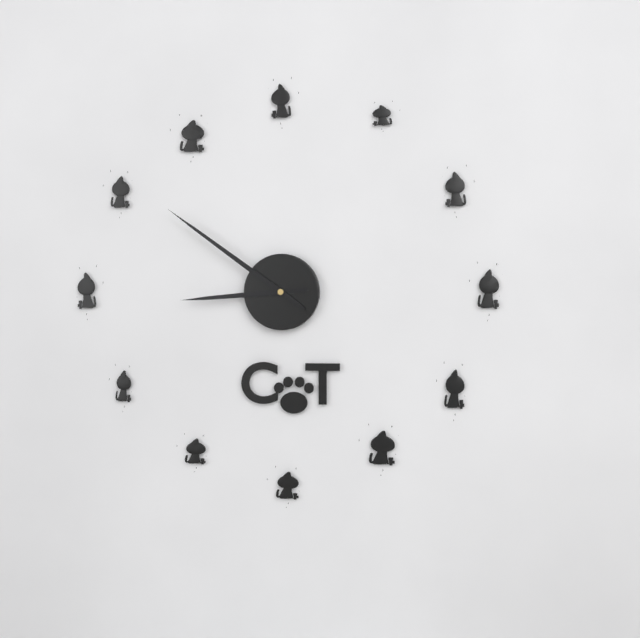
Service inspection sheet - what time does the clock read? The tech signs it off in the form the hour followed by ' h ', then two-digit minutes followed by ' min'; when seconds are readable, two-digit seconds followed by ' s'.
8 h 51 min
